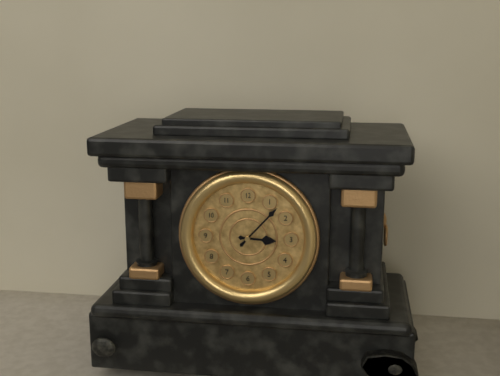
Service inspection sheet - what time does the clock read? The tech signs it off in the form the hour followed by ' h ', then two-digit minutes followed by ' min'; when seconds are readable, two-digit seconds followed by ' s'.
3 h 07 min
